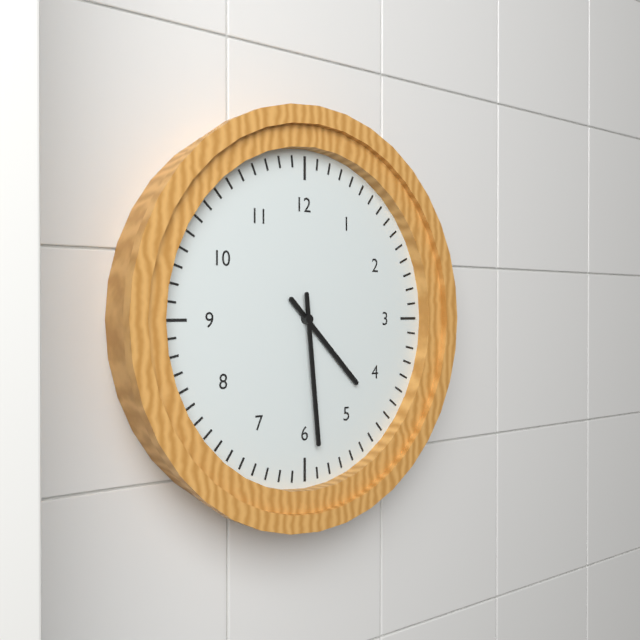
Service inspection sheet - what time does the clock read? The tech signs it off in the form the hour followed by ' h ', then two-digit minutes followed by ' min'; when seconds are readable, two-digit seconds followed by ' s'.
4 h 29 min
